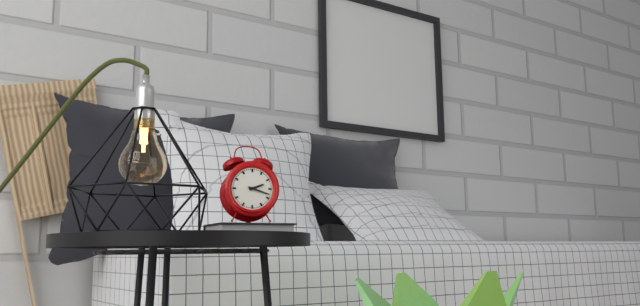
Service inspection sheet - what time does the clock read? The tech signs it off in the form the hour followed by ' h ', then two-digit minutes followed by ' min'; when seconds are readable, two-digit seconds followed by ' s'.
2 h 18 min
